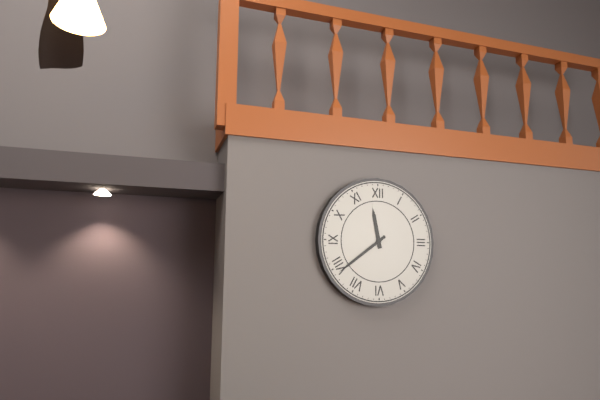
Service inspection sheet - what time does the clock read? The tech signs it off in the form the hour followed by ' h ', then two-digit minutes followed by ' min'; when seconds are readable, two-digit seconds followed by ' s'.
11 h 39 min
